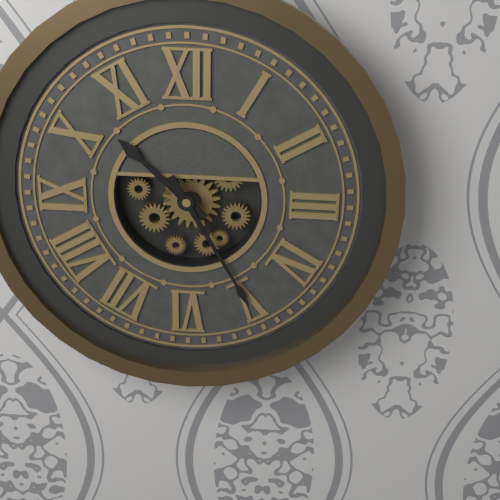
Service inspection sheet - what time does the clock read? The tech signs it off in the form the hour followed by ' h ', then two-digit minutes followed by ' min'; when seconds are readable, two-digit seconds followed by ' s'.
10 h 25 min
